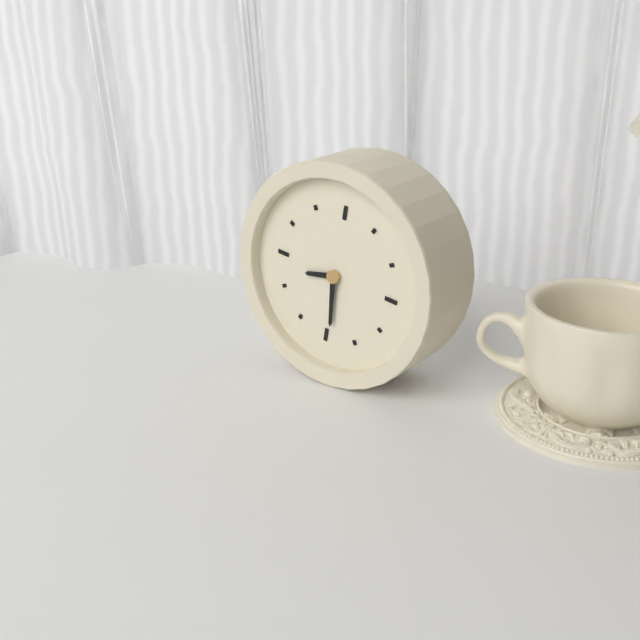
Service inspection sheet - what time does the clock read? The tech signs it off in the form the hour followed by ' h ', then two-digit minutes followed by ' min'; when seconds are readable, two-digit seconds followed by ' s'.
8 h 29 min
